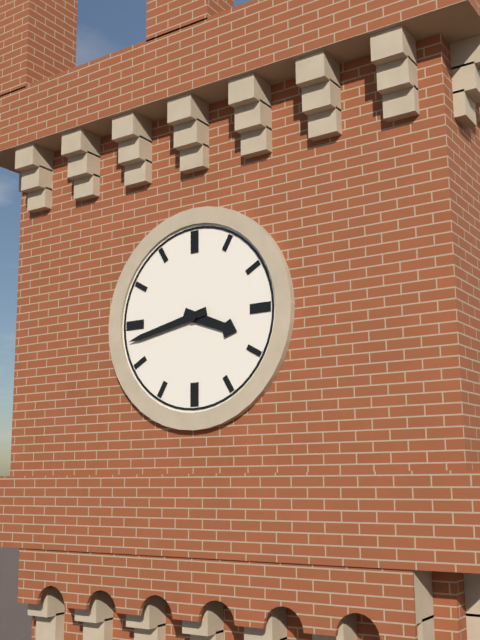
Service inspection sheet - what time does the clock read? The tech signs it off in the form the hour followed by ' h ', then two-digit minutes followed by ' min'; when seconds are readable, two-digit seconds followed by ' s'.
3 h 43 min
